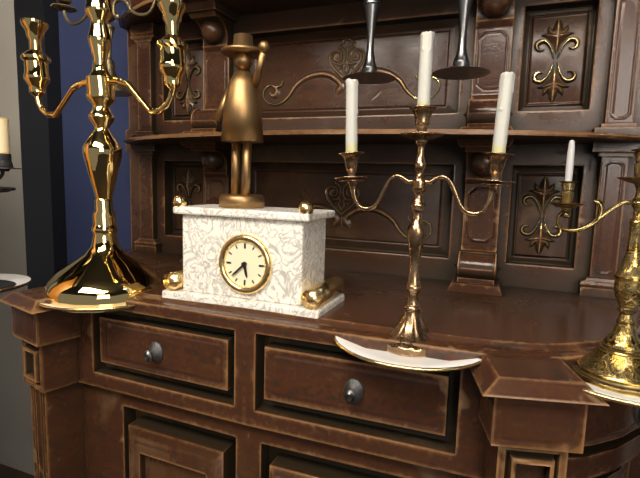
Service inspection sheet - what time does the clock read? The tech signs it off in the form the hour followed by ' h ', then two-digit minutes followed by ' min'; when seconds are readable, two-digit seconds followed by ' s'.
5 h 38 min
